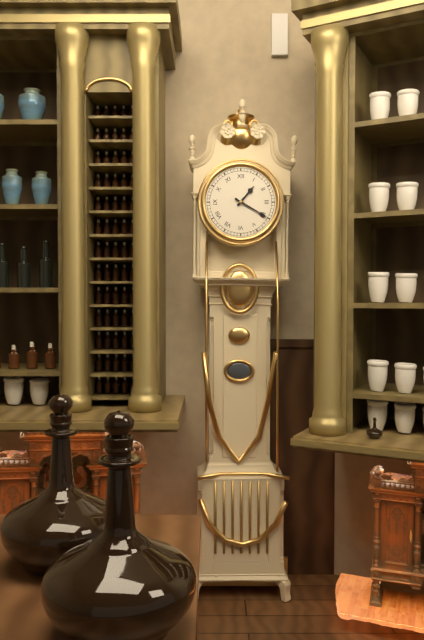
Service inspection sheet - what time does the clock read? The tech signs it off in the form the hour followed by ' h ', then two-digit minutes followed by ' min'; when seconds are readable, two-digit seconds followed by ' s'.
1 h 20 min
